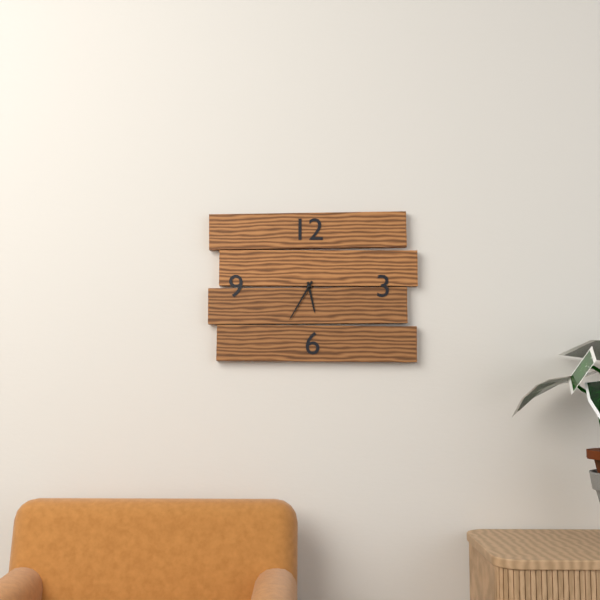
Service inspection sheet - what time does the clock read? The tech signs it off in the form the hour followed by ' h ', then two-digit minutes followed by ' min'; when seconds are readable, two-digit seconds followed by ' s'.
5 h 35 min
